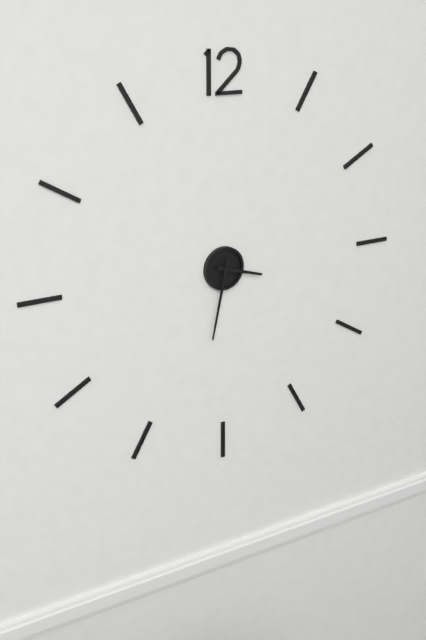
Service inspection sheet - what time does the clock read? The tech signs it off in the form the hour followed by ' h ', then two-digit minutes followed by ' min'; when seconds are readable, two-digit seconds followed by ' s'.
3 h 32 min
